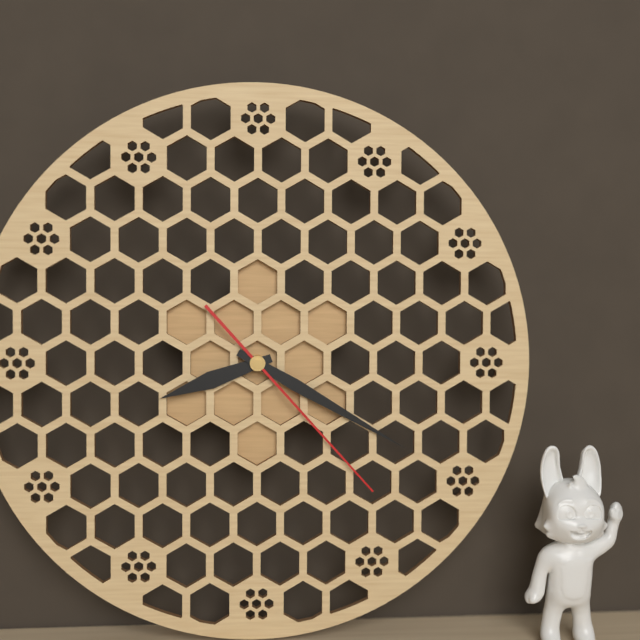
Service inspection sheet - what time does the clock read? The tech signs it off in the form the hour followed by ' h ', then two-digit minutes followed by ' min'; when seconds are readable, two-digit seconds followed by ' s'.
8 h 20 min 23 s
